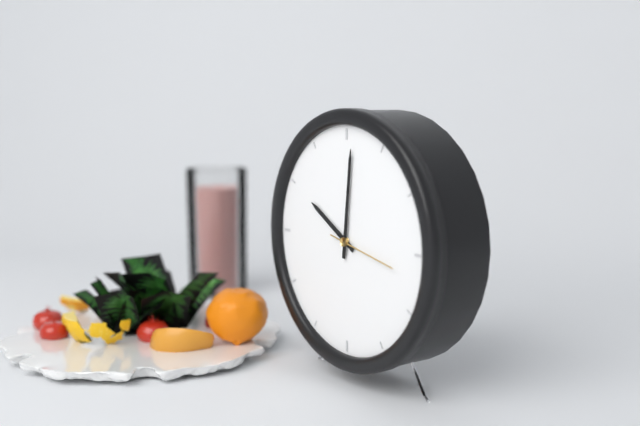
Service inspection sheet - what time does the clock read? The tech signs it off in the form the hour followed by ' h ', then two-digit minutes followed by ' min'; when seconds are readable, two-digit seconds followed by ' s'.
10 h 01 min 17 s
